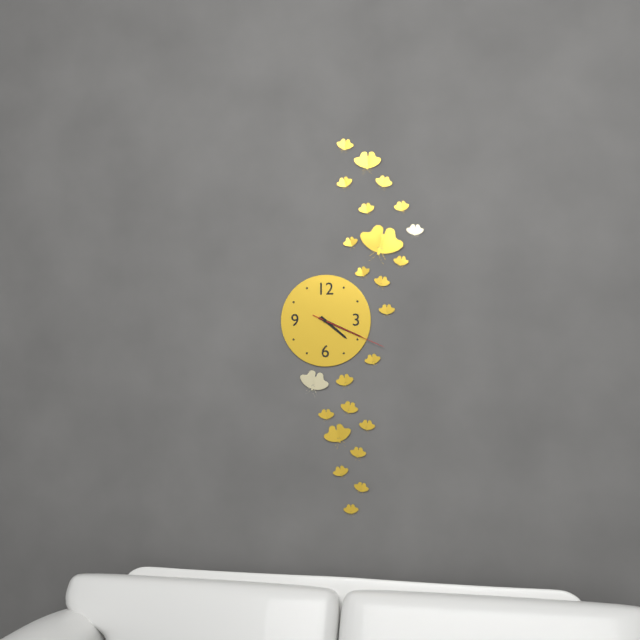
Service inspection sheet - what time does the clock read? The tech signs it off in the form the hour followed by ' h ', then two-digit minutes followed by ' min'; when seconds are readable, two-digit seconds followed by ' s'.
4 h 19 min 19 s
